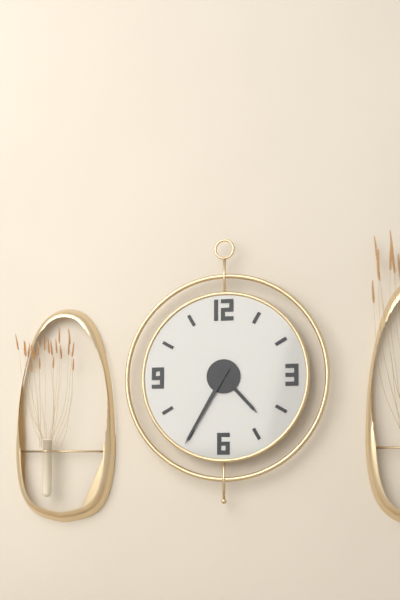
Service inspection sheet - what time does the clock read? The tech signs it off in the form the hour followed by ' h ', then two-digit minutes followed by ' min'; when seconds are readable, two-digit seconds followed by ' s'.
4 h 35 min
